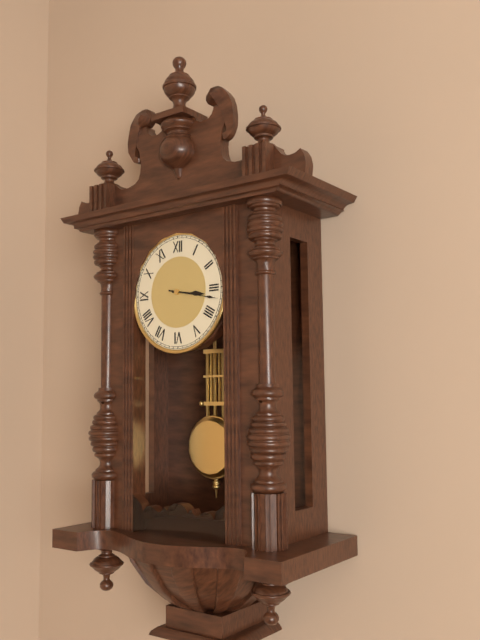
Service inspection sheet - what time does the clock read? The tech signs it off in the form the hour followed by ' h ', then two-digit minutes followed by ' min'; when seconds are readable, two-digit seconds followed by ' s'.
3 h 17 min
